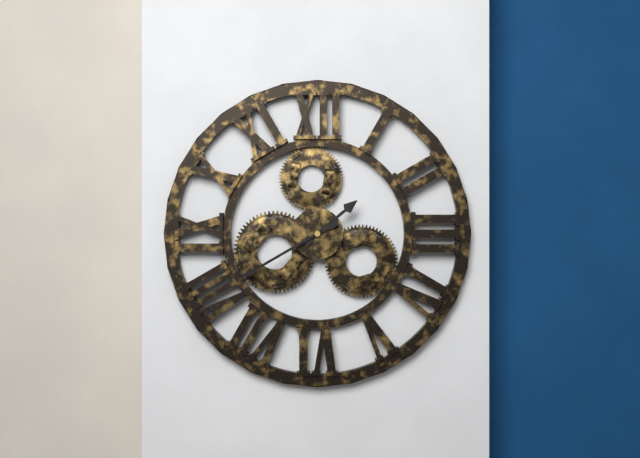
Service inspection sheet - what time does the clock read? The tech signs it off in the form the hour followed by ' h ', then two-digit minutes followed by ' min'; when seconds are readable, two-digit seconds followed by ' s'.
1 h 40 min
